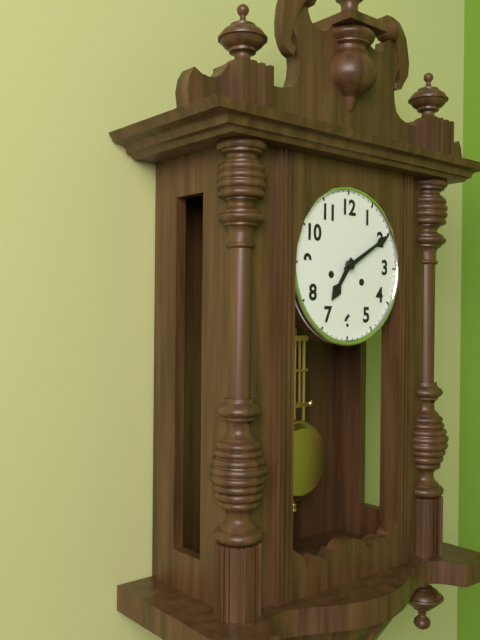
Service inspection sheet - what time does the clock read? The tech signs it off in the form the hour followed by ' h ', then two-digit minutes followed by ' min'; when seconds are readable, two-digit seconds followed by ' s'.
7 h 10 min
